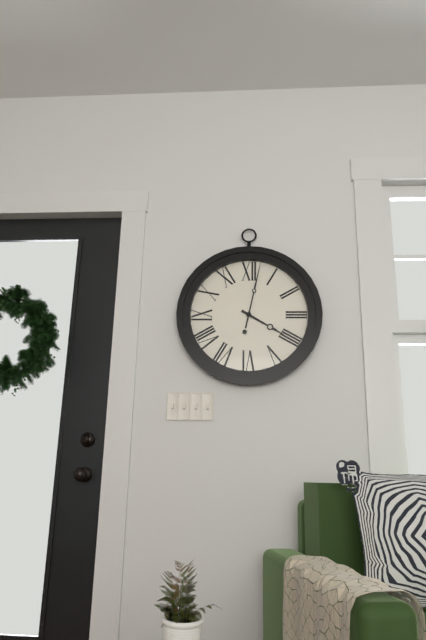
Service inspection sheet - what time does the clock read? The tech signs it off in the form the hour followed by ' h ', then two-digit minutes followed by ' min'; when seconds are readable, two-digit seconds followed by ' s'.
4 h 02 min
